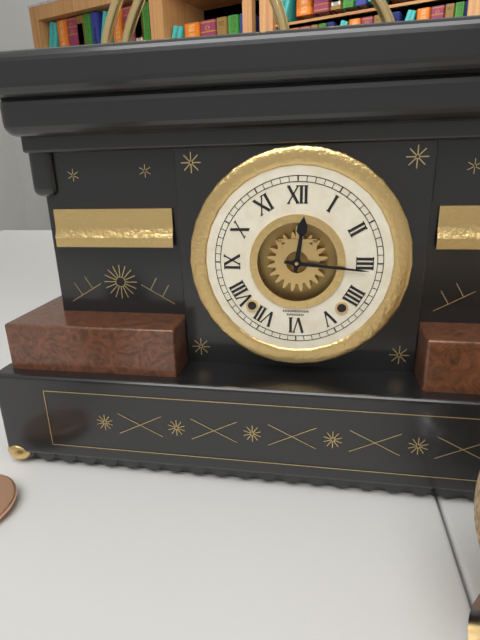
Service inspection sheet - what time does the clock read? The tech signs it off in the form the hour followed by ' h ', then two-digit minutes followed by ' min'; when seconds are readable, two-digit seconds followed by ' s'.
12 h 16 min
